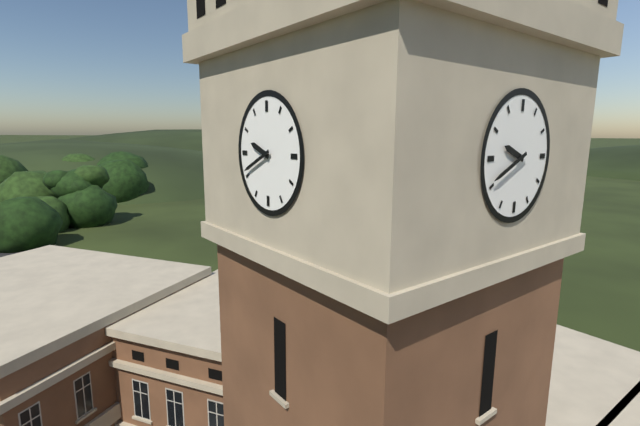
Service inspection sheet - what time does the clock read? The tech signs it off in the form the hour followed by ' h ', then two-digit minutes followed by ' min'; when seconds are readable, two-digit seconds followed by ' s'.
9 h 41 min
